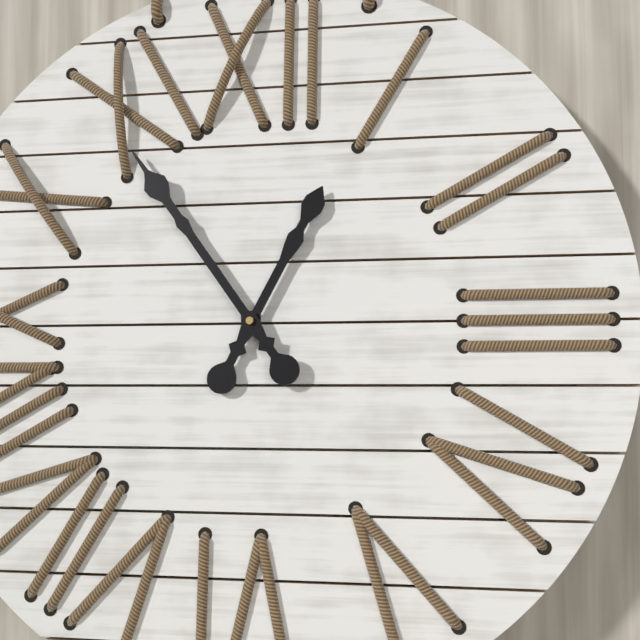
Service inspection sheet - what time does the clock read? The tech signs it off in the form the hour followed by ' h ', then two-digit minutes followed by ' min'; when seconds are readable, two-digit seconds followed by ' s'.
12 h 54 min
